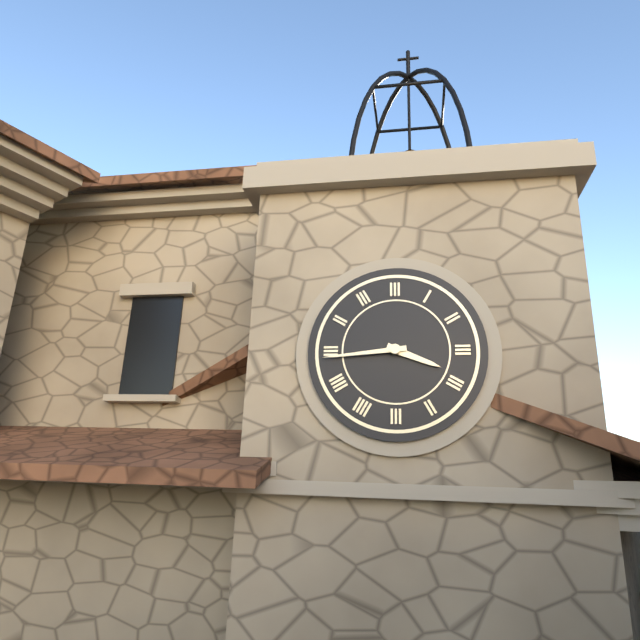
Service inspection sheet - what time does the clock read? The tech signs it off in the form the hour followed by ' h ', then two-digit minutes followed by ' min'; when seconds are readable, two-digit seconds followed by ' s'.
3 h 44 min
